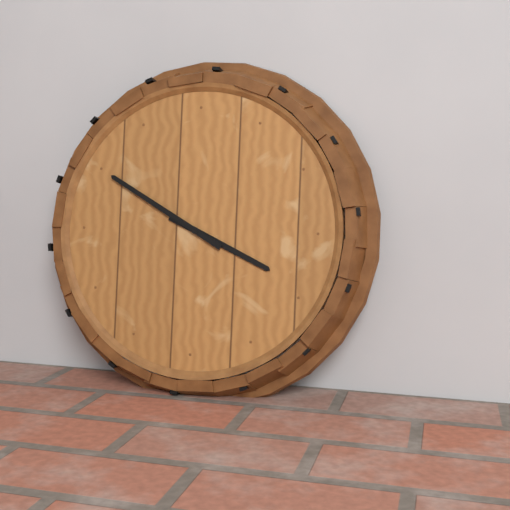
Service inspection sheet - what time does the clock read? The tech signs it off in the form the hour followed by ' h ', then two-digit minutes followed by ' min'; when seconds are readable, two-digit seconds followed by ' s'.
3 h 50 min
